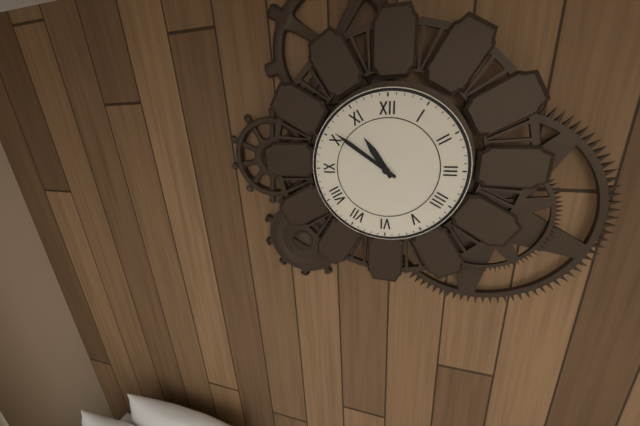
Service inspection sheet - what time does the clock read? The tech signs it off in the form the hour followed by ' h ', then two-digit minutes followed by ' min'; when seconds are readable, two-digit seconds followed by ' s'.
10 h 51 min
